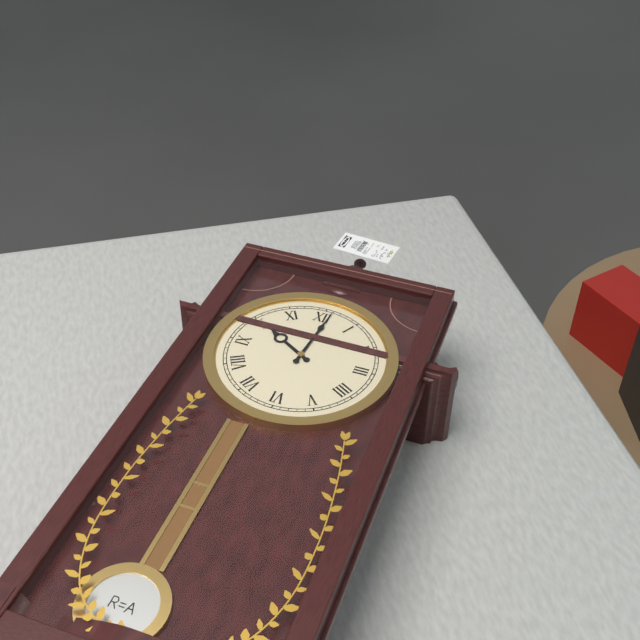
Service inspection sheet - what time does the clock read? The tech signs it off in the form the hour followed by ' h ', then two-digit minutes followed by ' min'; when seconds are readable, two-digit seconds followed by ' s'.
10 h 01 min
